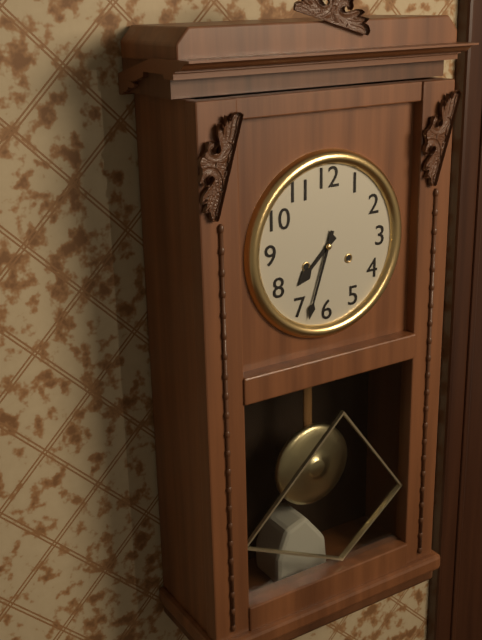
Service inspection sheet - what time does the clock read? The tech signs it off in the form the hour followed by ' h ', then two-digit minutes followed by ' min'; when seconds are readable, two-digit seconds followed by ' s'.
7 h 33 min
